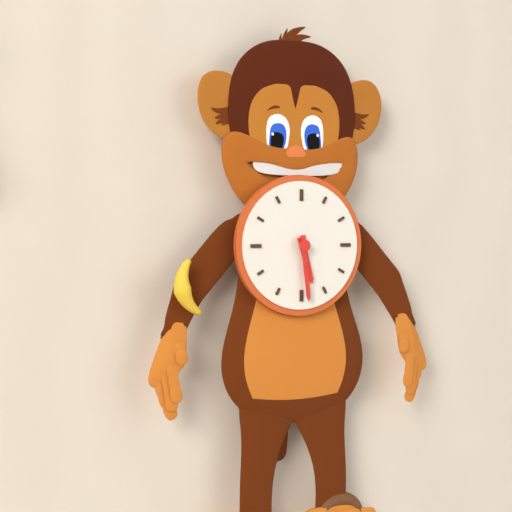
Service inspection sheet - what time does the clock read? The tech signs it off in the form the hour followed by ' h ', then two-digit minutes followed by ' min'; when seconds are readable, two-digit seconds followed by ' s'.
5 h 29 min
